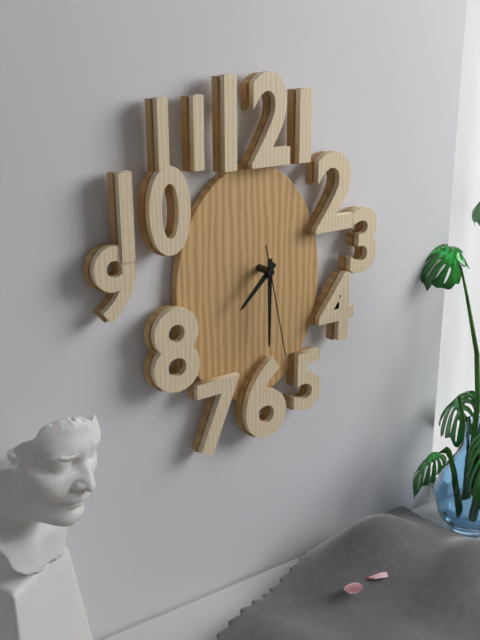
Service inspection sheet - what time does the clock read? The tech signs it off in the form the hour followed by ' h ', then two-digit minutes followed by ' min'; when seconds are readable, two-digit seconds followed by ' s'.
7 h 30 min 28 s
